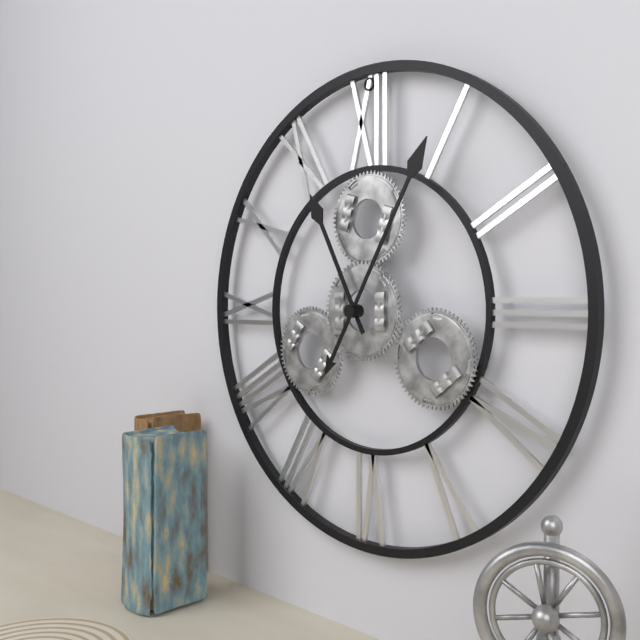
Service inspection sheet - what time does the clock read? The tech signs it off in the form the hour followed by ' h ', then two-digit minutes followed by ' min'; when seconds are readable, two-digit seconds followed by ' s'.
11 h 05 min
